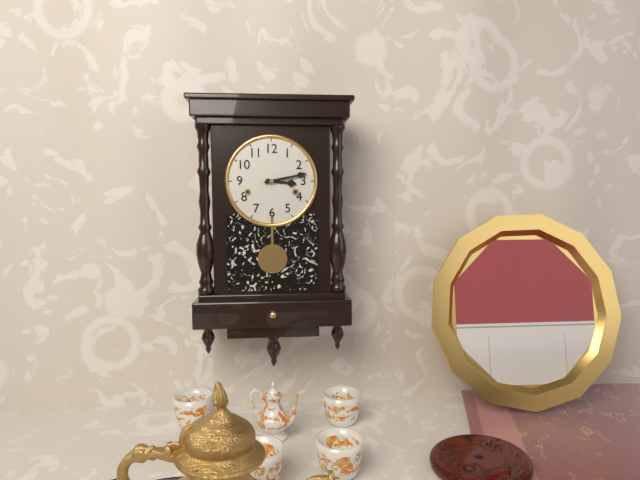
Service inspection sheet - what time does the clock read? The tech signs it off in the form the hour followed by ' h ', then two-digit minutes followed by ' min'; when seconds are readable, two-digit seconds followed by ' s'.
3 h 13 min
